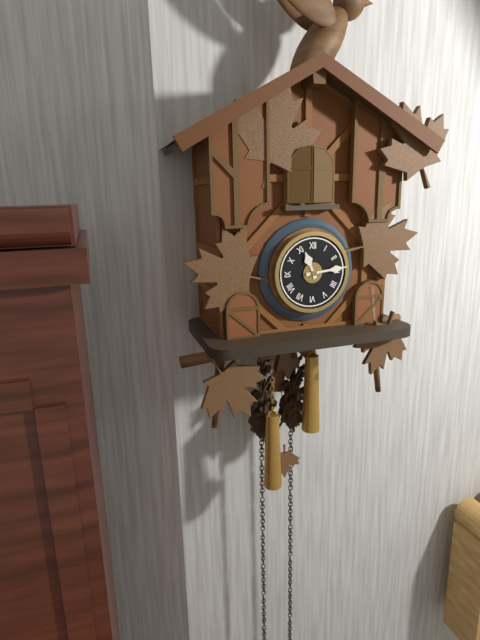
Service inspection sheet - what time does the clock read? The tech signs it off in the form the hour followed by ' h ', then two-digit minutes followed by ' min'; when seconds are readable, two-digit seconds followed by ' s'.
11 h 14 min
